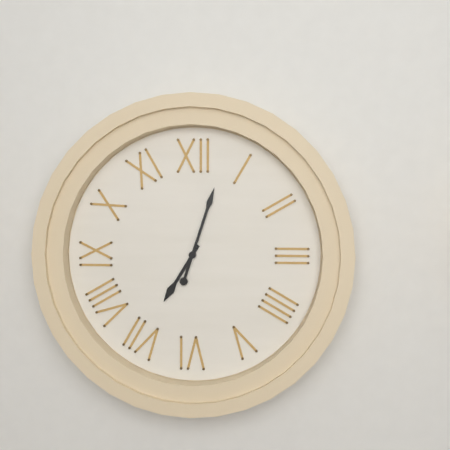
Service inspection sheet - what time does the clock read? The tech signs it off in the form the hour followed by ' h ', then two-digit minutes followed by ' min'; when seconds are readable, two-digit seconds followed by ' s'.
7 h 03 min
